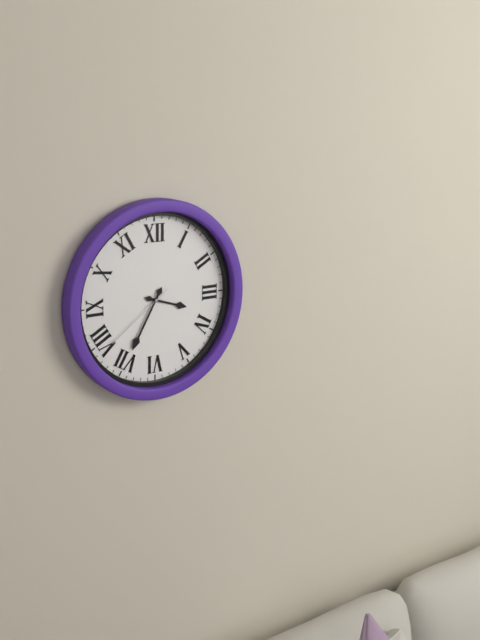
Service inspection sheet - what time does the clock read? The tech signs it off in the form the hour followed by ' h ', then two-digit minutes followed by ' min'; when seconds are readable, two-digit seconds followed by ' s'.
3 h 35 min 39 s
